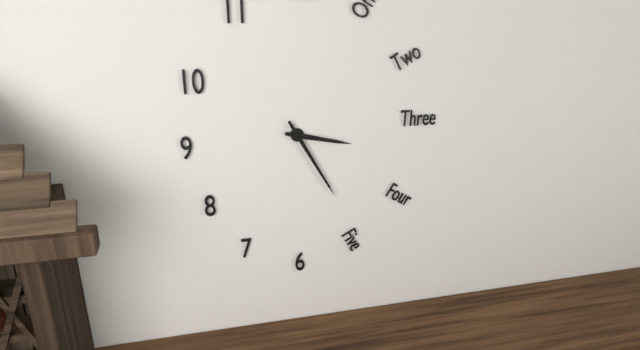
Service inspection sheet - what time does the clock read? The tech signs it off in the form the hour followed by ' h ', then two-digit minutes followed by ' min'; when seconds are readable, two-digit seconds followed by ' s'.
3 h 25 min
